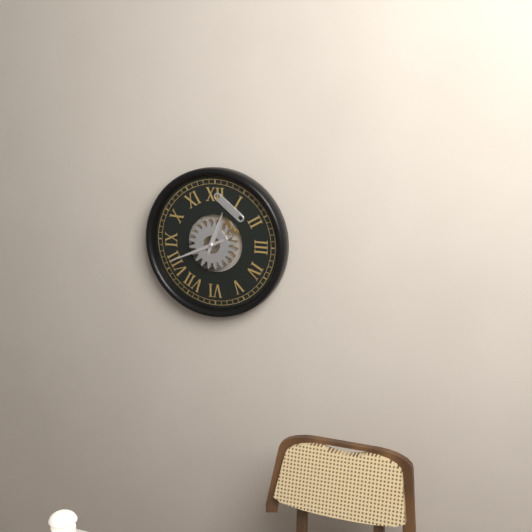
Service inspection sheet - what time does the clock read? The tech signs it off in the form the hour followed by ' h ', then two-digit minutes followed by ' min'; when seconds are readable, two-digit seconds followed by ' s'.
12 h 41 min
